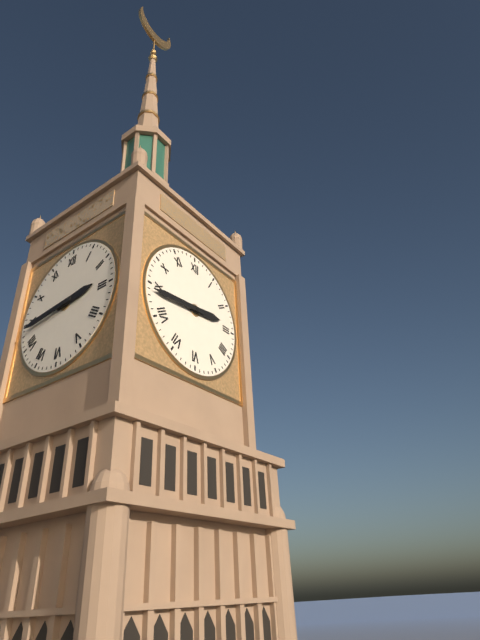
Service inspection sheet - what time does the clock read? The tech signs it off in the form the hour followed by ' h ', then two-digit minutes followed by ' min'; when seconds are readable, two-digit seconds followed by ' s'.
2 h 44 min
